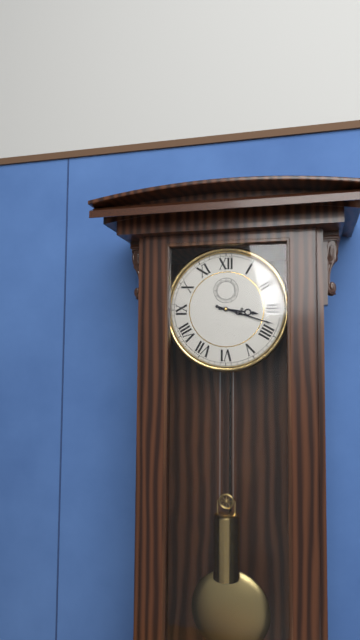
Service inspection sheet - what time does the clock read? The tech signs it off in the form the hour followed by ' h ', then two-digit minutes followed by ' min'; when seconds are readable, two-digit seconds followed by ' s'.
3 h 18 min
